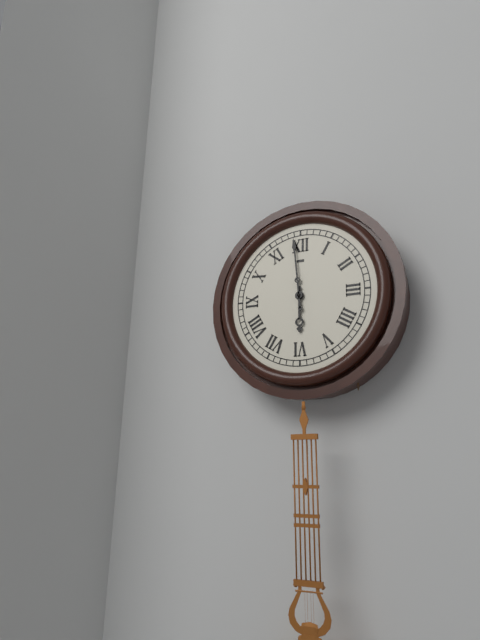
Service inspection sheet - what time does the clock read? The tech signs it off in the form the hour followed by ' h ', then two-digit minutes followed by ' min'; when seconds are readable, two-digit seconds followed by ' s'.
5 h 59 min
